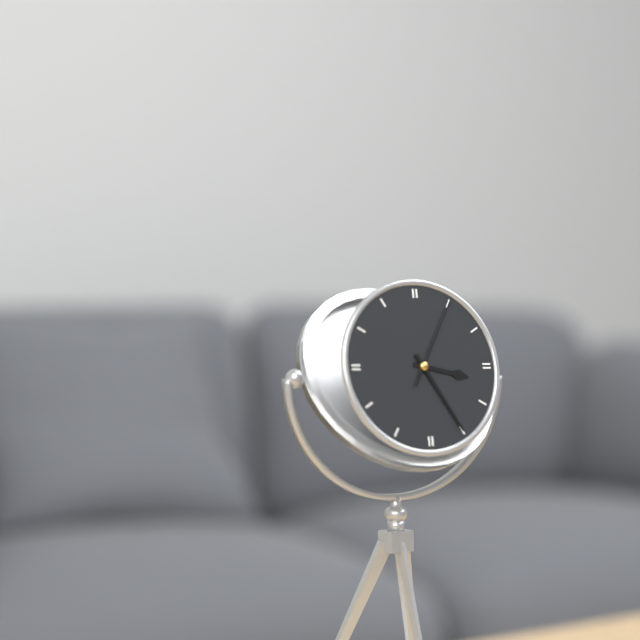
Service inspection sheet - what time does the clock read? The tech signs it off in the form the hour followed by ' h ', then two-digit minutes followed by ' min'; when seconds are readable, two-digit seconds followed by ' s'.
3 h 25 min 05 s
